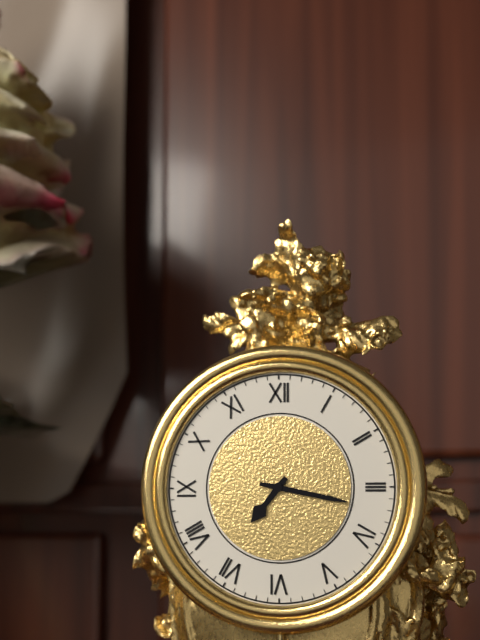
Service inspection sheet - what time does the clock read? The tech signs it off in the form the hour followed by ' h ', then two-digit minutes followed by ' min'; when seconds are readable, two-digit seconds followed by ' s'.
7 h 17 min
